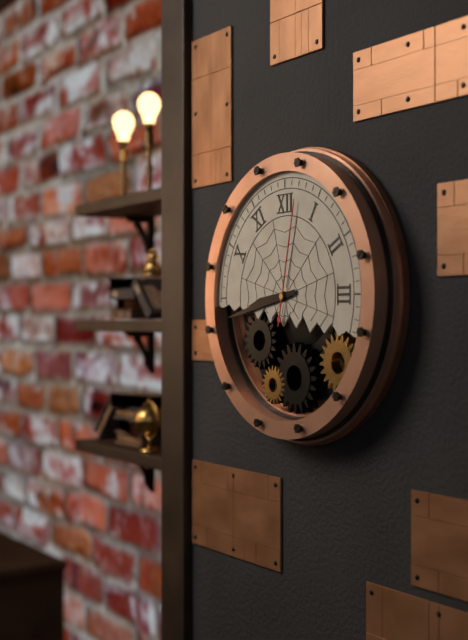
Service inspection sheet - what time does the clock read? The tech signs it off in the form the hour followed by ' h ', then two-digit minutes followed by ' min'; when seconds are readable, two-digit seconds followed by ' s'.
8 h 43 min 02 s
